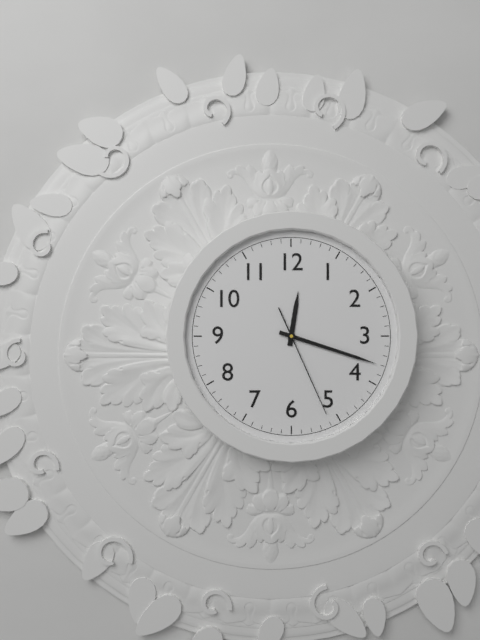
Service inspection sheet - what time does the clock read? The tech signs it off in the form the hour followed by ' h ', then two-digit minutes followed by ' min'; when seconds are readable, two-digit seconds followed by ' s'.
12 h 18 min 26 s
